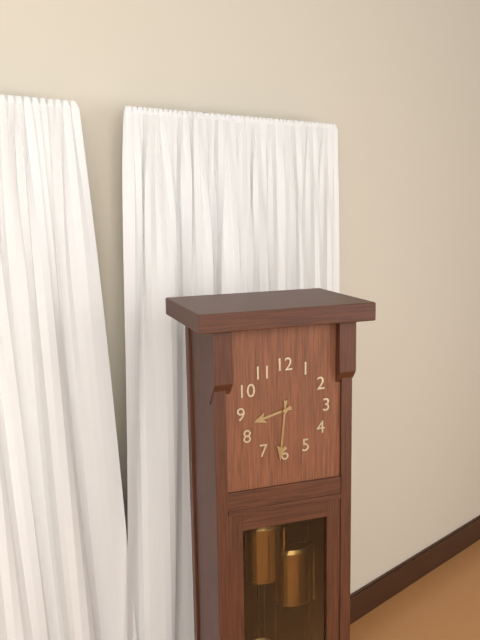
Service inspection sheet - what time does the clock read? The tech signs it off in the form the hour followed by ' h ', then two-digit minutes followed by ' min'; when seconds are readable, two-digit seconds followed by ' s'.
8 h 31 min
